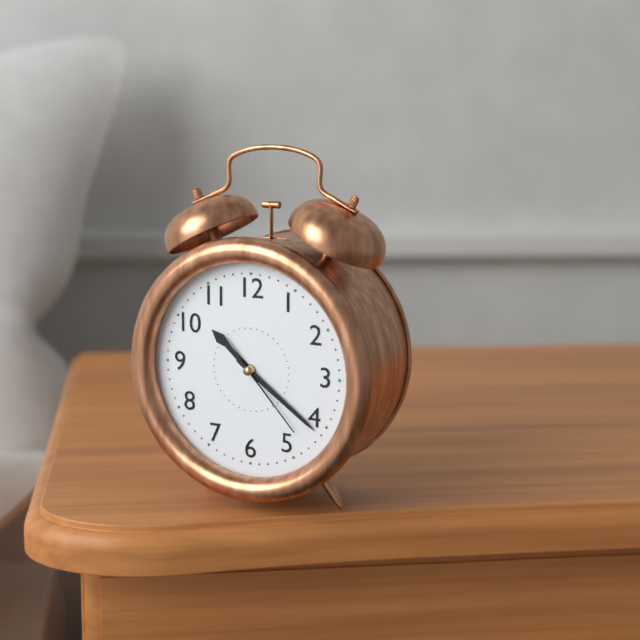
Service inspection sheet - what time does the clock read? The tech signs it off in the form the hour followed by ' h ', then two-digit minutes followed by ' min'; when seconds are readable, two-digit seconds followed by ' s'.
10 h 21 min 23 s
